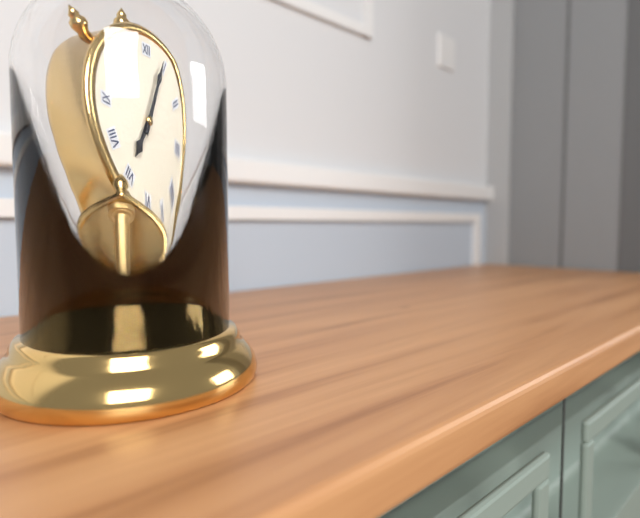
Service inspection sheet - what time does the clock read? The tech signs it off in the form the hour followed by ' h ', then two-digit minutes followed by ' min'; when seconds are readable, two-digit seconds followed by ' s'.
7 h 04 min
